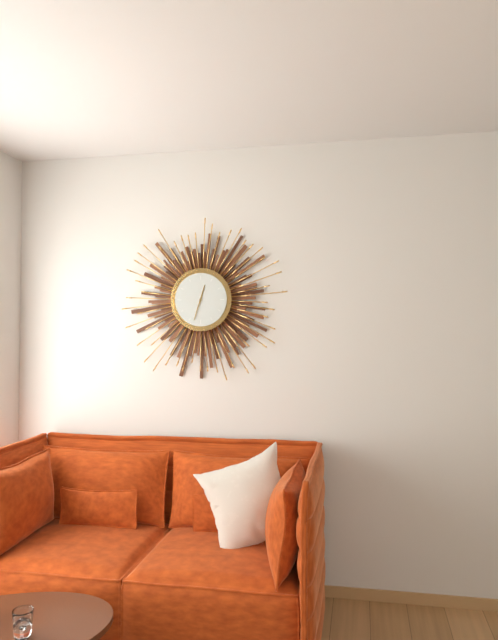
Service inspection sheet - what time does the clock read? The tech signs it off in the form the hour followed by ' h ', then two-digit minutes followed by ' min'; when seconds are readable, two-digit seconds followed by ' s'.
12 h 33 min
